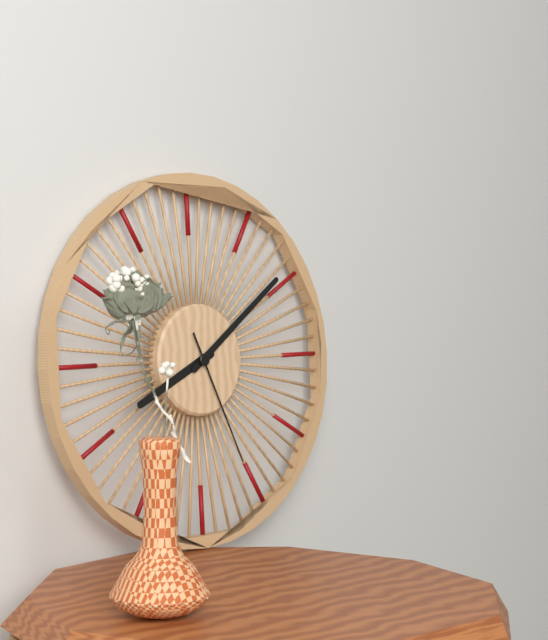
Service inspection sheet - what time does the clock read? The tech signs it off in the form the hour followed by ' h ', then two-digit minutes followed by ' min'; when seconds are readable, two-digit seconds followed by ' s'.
8 h 09 min 26 s
